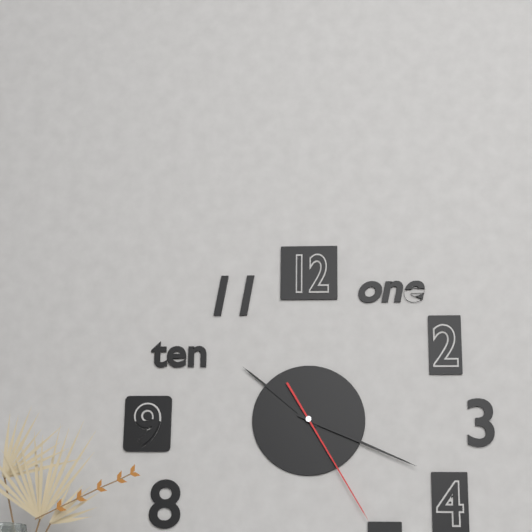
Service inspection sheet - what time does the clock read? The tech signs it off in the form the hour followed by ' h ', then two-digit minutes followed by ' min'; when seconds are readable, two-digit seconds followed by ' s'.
10 h 19 min 25 s
